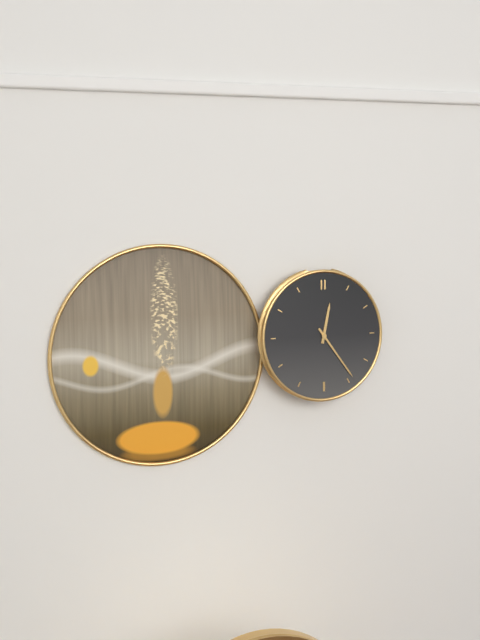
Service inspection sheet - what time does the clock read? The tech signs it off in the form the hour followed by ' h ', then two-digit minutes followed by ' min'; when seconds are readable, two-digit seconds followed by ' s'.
12 h 24 min
